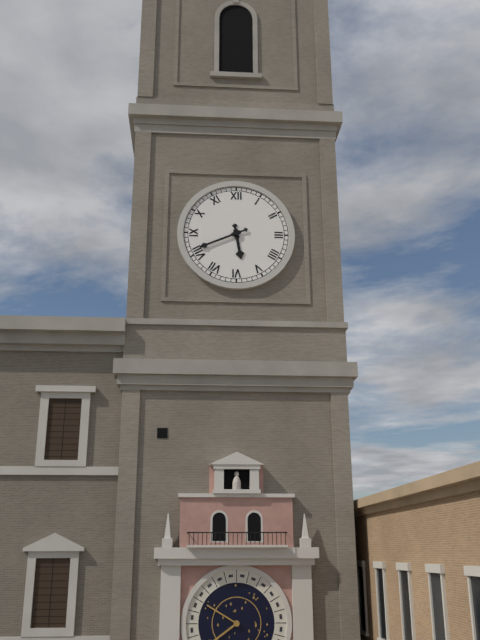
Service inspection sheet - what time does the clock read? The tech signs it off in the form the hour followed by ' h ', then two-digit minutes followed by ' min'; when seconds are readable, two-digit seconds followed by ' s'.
5 h 41 min
